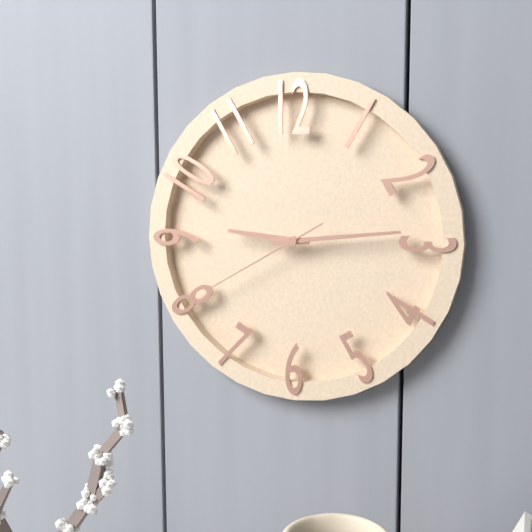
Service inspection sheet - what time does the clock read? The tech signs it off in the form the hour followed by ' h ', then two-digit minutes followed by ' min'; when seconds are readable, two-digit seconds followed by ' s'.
9 h 14 min 40 s
